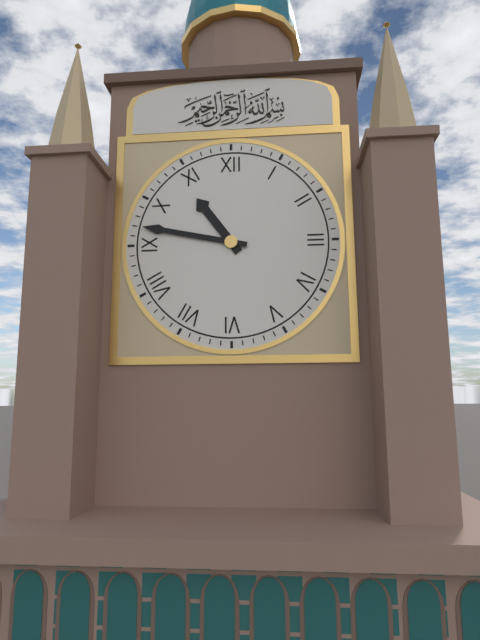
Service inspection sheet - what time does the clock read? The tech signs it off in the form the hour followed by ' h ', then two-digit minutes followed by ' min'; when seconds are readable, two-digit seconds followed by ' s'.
10 h 47 min
